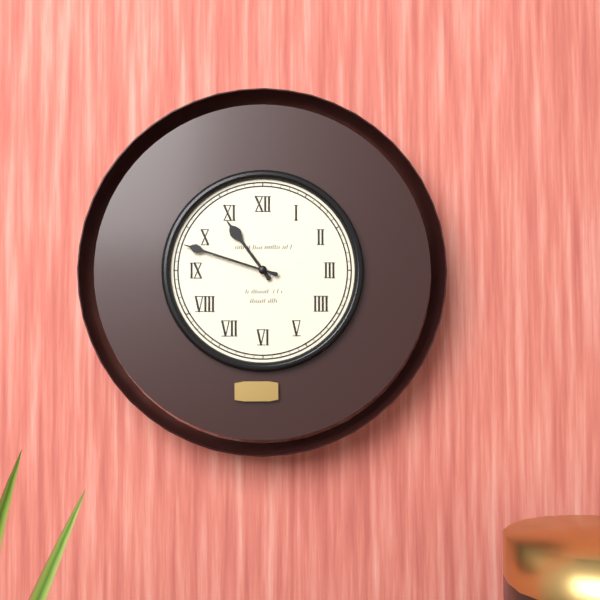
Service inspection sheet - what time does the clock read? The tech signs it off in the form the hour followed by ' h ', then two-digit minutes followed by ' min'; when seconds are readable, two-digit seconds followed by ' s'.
10 h 48 min
